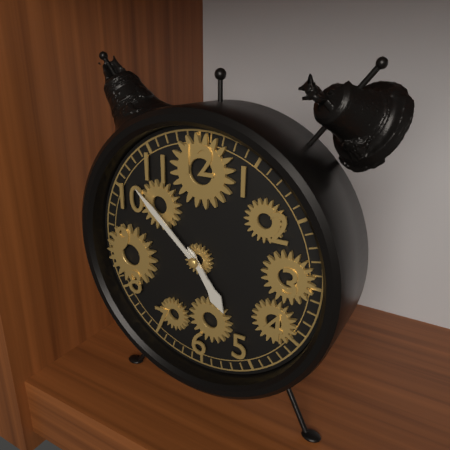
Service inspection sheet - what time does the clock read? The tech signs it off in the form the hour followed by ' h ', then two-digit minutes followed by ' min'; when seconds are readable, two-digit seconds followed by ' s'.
4 h 52 min
